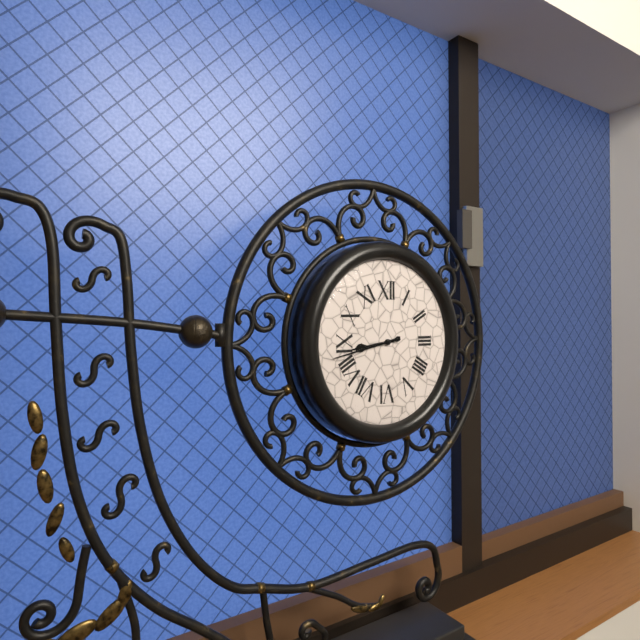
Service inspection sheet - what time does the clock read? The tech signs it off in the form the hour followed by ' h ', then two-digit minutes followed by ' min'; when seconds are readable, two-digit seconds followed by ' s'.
8 h 43 min
